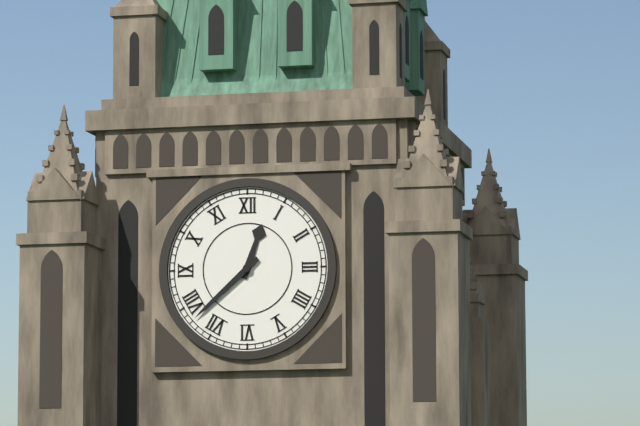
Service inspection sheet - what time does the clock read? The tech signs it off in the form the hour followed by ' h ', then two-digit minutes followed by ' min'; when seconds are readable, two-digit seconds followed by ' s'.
12 h 38 min
